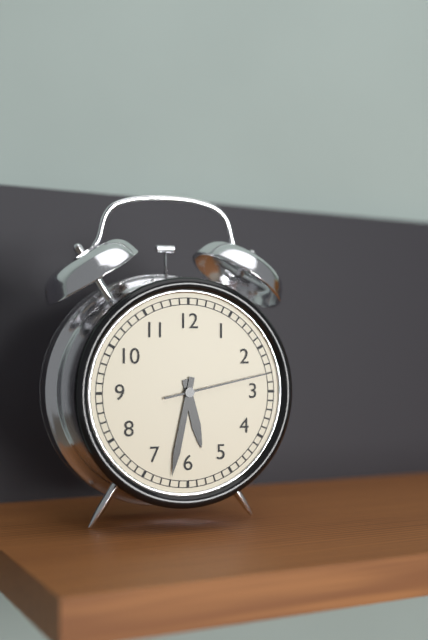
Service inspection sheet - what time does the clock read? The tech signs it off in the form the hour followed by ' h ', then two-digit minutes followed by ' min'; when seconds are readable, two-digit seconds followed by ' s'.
5 h 32 min 13 s
